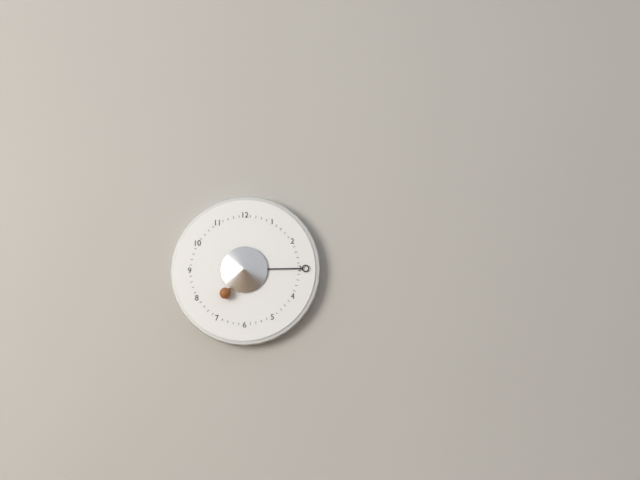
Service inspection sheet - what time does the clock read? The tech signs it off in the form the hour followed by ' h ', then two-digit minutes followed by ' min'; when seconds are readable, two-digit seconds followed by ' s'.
7 h 15 min
